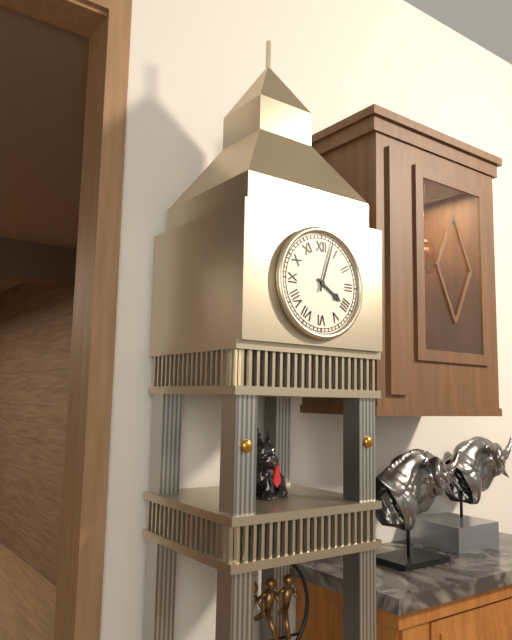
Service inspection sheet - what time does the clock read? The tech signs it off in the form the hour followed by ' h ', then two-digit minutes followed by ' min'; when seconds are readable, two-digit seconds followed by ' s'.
4 h 03 min
